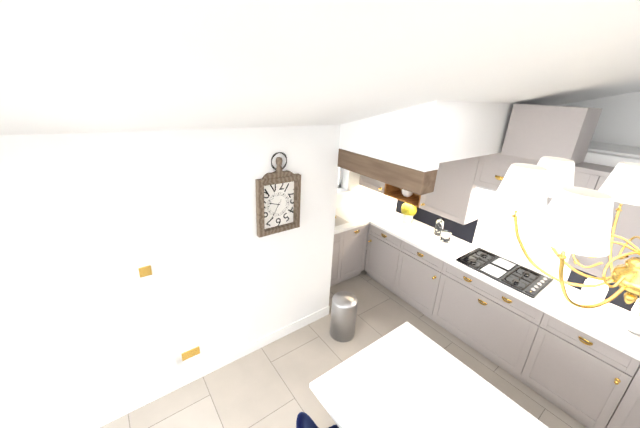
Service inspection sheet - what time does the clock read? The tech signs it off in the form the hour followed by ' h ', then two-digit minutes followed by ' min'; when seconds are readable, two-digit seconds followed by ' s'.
9 h 35 min
